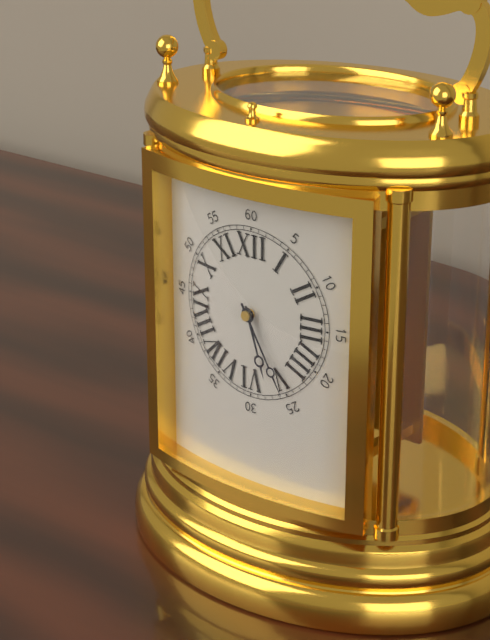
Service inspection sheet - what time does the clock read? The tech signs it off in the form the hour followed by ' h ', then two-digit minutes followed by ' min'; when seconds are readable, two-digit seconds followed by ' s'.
5 h 25 min
